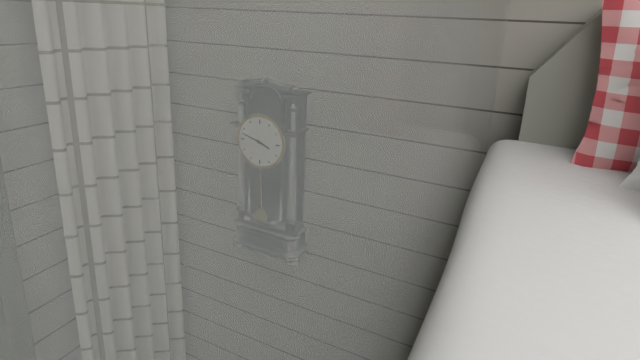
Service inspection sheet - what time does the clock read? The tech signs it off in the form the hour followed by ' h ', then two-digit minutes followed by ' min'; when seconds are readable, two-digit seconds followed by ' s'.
3 h 48 min
